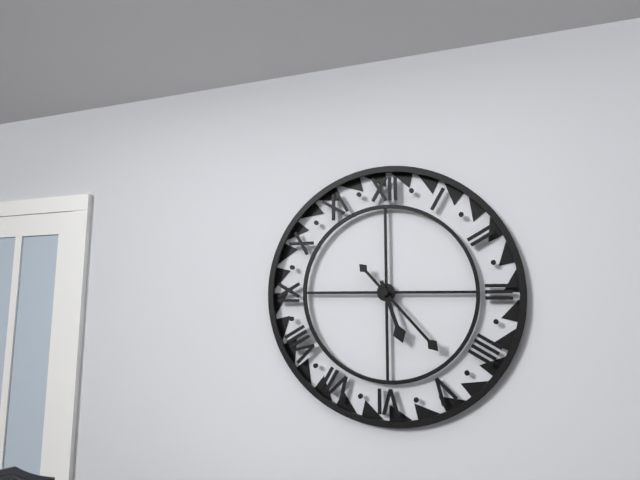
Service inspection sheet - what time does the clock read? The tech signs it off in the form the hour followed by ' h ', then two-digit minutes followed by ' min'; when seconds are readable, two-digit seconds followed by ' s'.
5 h 23 min
